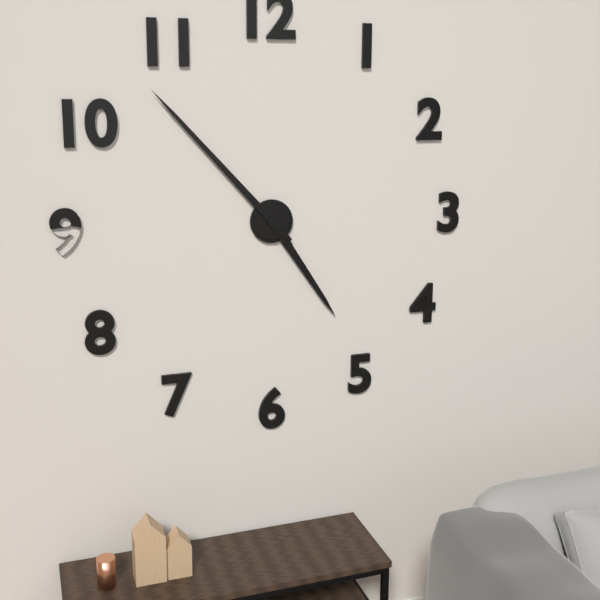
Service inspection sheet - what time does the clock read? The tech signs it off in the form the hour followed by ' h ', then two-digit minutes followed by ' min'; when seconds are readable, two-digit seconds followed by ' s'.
4 h 53 min
